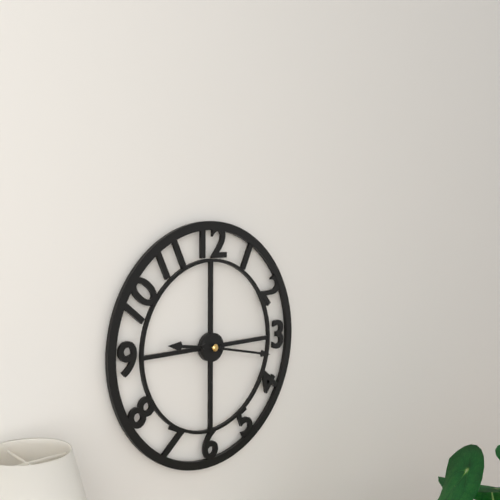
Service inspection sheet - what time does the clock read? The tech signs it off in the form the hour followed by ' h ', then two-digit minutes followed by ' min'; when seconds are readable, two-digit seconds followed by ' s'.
9 h 17 min
